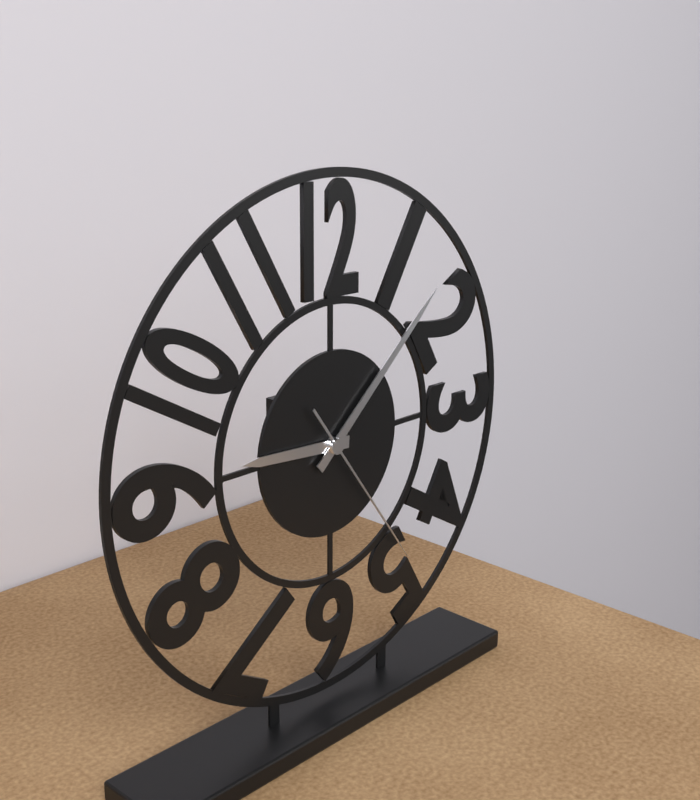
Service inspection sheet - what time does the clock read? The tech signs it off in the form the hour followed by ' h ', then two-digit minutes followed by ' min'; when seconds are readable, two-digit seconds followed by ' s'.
9 h 08 min 24 s
